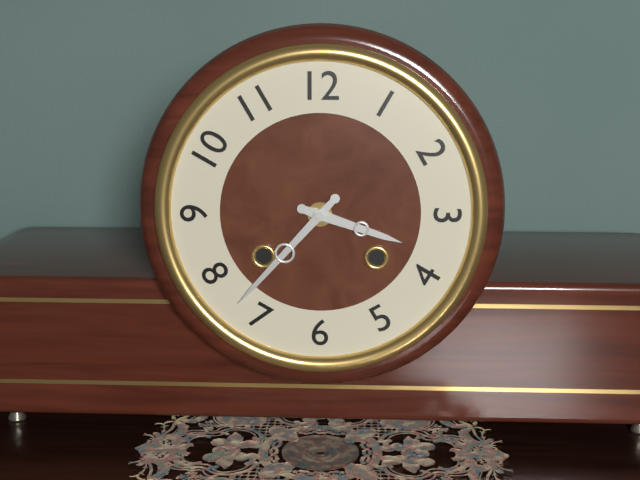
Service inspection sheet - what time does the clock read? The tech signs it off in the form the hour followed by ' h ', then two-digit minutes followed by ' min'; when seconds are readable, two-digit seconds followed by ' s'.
3 h 37 min
